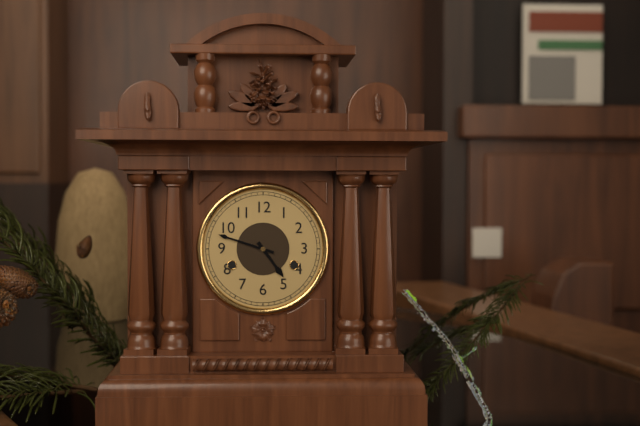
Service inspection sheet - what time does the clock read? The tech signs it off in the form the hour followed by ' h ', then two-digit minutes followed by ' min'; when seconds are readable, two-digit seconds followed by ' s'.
4 h 48 min
